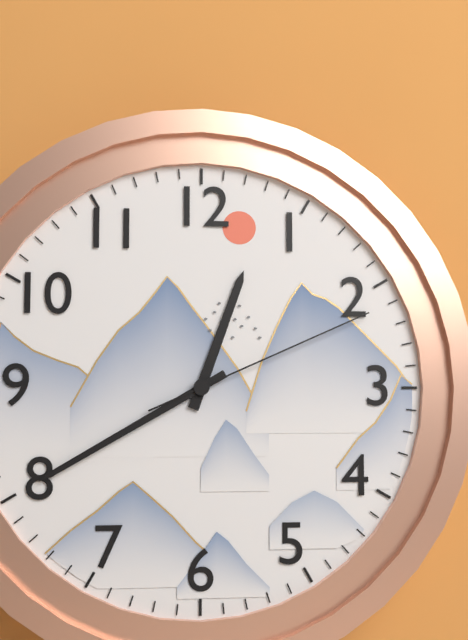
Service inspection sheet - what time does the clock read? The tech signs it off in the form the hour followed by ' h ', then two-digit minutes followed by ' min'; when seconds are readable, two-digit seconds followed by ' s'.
12 h 40 min 11 s
